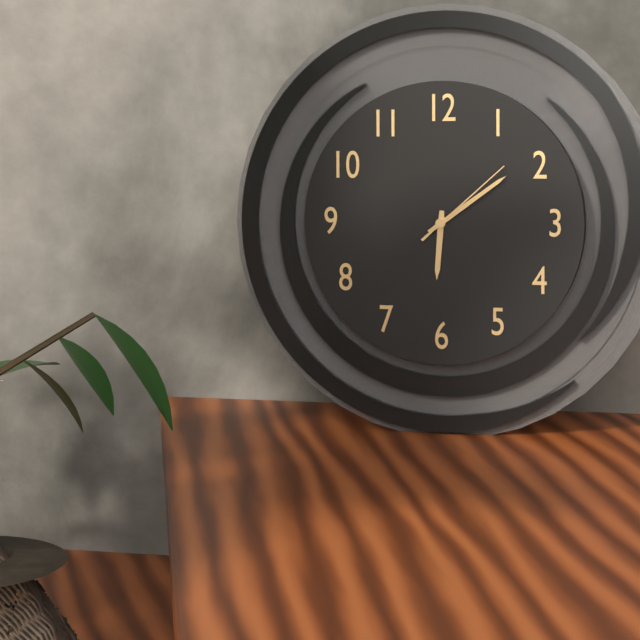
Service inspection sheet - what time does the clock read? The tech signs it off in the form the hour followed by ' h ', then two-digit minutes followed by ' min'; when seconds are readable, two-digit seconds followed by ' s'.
6 h 09 min 08 s
